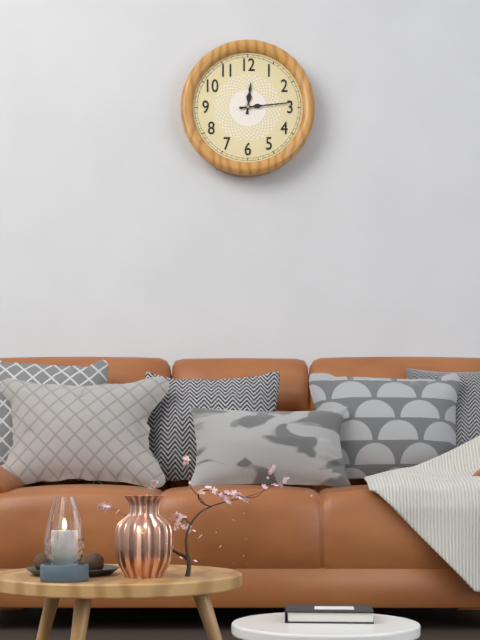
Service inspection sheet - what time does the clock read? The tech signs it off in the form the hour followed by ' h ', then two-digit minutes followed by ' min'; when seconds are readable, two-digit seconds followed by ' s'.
12 h 14 min
